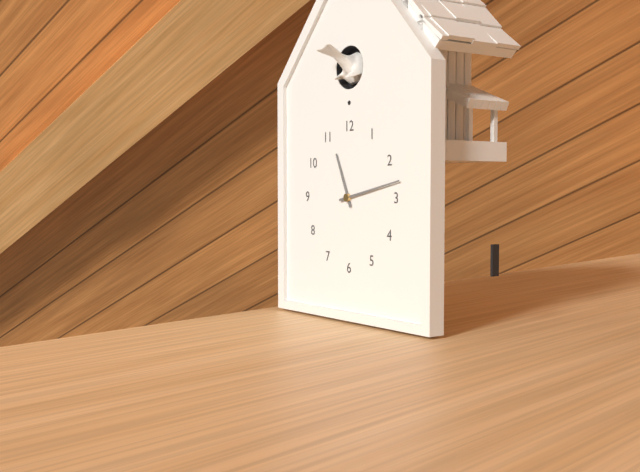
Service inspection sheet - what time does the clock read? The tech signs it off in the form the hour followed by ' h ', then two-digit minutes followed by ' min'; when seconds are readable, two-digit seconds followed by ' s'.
11 h 13 min
